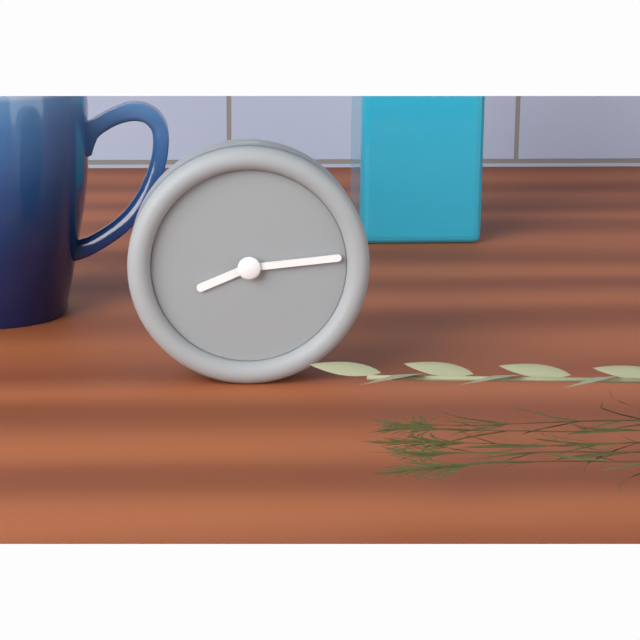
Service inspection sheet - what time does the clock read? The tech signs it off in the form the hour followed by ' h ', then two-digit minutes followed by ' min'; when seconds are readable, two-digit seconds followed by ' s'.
8 h 14 min
